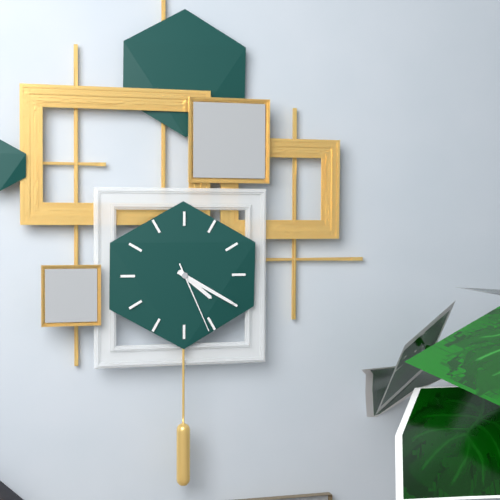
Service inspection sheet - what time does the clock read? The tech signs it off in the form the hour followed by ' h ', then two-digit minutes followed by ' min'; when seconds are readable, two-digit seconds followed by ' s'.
4 h 20 min 26 s
